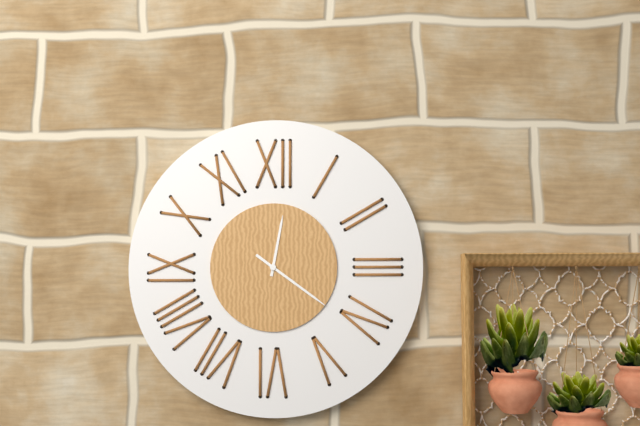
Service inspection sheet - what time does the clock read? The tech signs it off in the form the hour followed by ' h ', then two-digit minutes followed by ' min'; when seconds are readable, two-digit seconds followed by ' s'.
12 h 21 min
